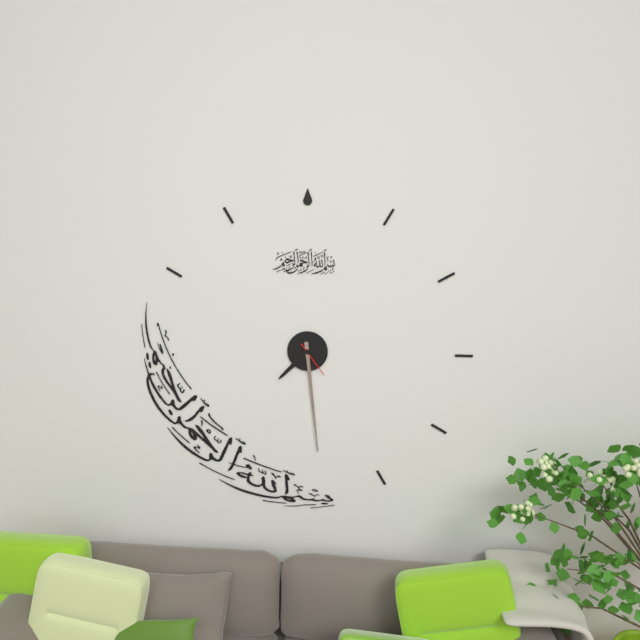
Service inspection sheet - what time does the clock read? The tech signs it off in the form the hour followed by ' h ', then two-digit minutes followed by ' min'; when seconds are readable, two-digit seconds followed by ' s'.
7 h 29 min
